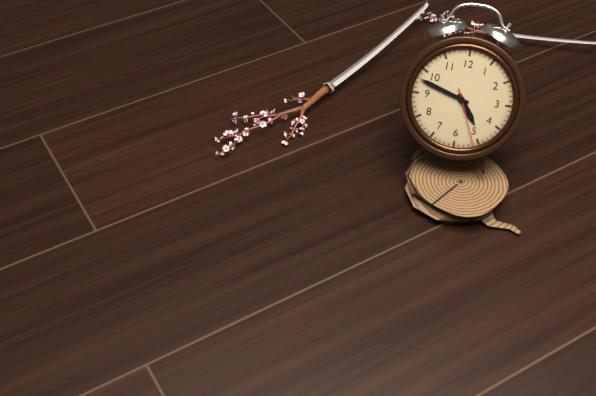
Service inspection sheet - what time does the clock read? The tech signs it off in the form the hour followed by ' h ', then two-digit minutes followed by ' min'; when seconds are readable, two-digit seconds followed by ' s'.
4 h 48 min 26 s
